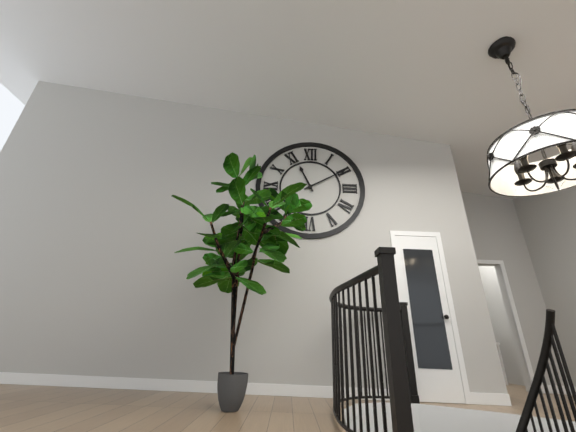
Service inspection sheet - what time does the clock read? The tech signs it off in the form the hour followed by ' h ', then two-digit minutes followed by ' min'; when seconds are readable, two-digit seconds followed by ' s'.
11 h 10 min
